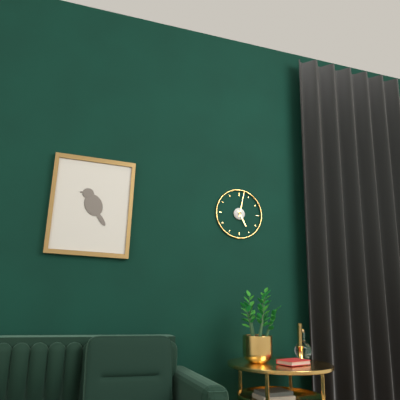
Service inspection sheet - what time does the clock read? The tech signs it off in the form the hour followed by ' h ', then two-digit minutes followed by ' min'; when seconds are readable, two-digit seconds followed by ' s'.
5 h 02 min
